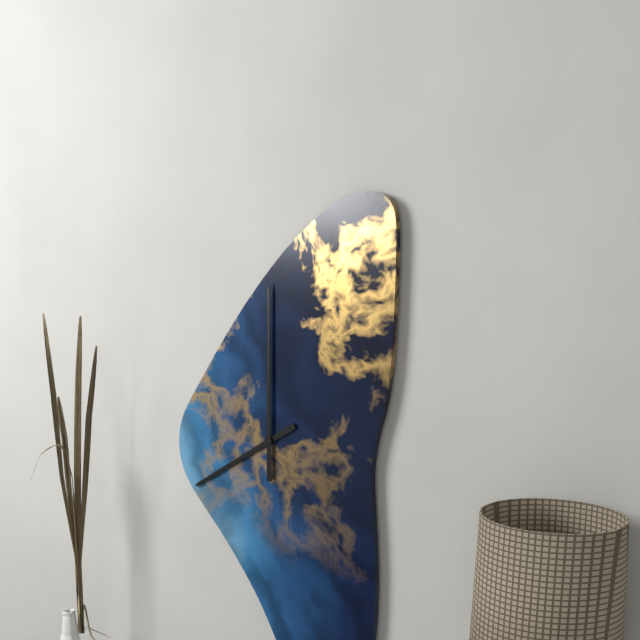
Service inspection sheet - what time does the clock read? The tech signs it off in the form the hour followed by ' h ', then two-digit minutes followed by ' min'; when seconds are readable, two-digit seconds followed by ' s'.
8 h 00 min
